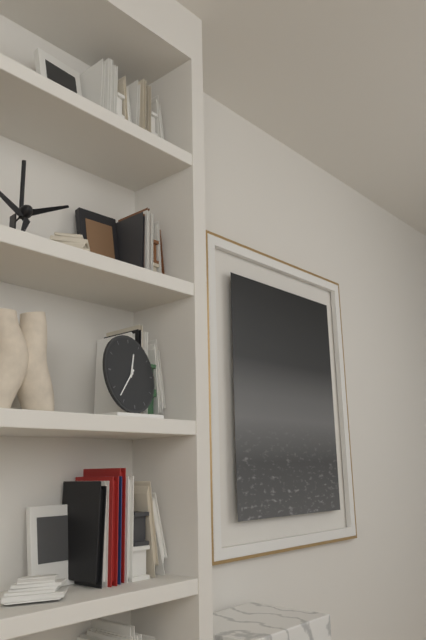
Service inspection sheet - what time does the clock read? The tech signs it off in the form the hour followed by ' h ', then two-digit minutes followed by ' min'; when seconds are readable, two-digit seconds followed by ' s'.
12 h 37 min
